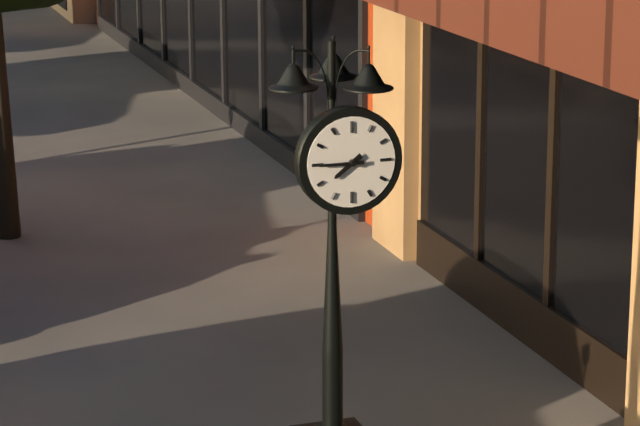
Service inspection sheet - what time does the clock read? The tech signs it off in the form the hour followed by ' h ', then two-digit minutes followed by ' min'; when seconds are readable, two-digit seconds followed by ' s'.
7 h 45 min
